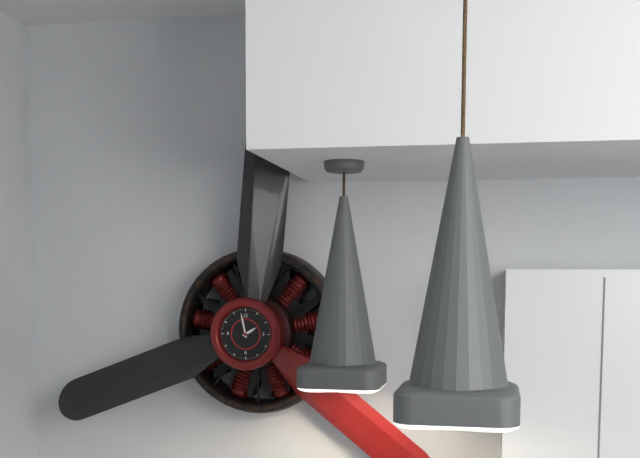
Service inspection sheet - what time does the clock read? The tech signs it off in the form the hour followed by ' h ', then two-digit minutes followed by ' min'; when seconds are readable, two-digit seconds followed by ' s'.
1 h 58 min
